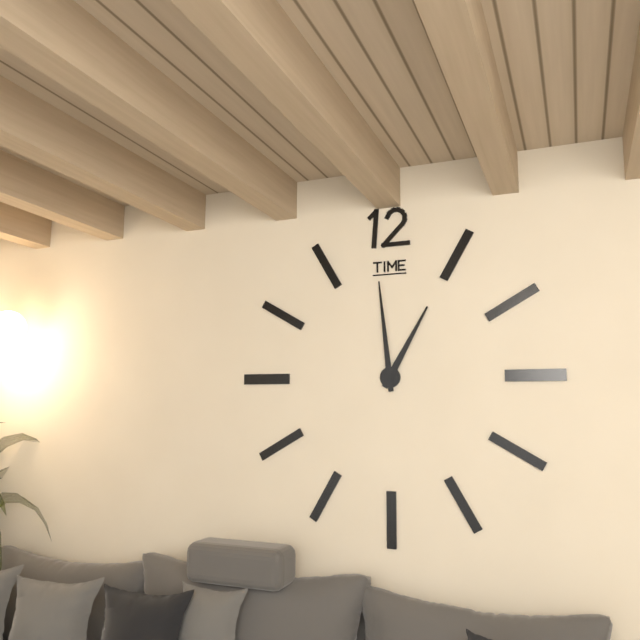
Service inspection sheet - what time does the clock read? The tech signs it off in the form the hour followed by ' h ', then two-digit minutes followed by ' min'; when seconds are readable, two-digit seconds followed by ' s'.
12 h 59 min
